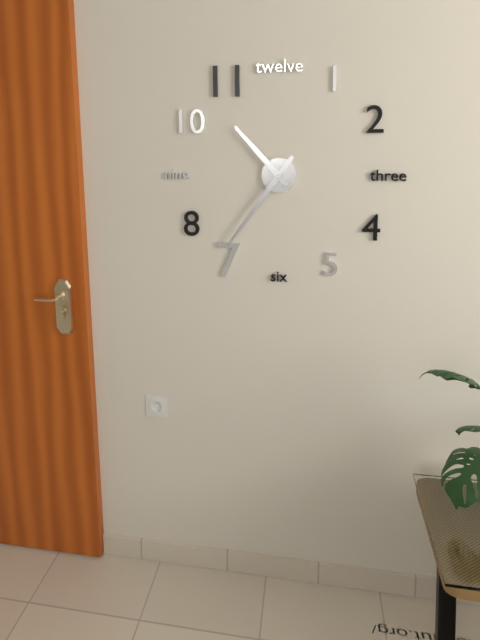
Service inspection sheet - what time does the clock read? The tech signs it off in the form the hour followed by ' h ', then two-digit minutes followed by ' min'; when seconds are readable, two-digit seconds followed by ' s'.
10 h 36 min
